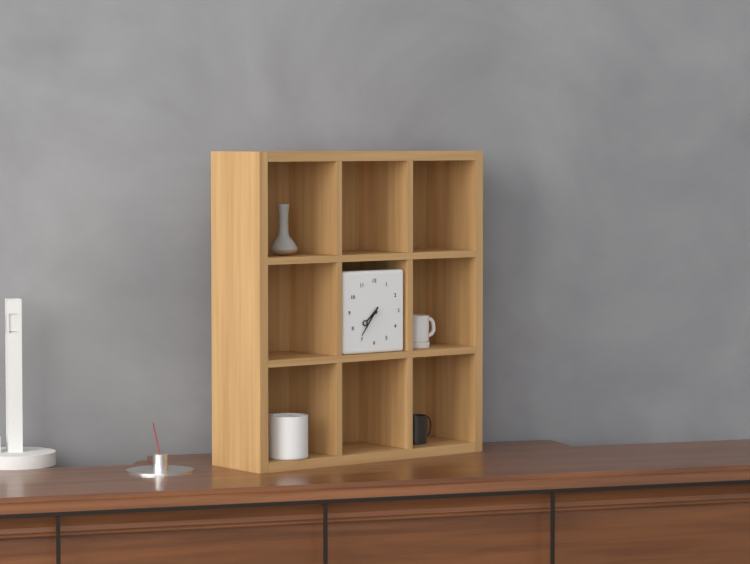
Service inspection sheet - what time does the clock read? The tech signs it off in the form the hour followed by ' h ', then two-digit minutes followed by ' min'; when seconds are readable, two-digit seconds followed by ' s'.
7 h 36 min
